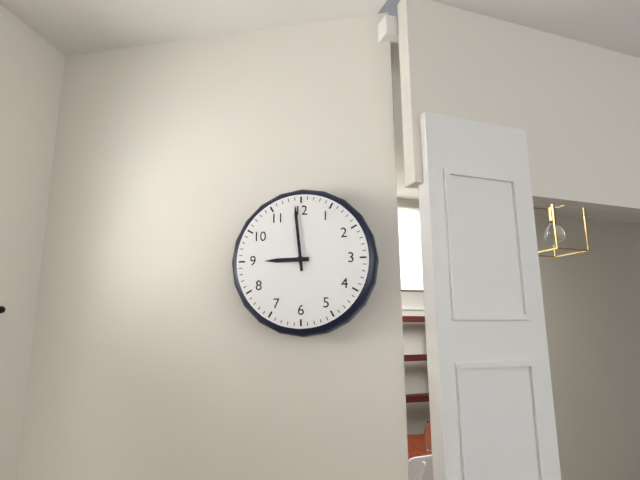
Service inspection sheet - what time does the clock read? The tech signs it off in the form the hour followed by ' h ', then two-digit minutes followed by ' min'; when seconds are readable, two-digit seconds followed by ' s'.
8 h 59 min
